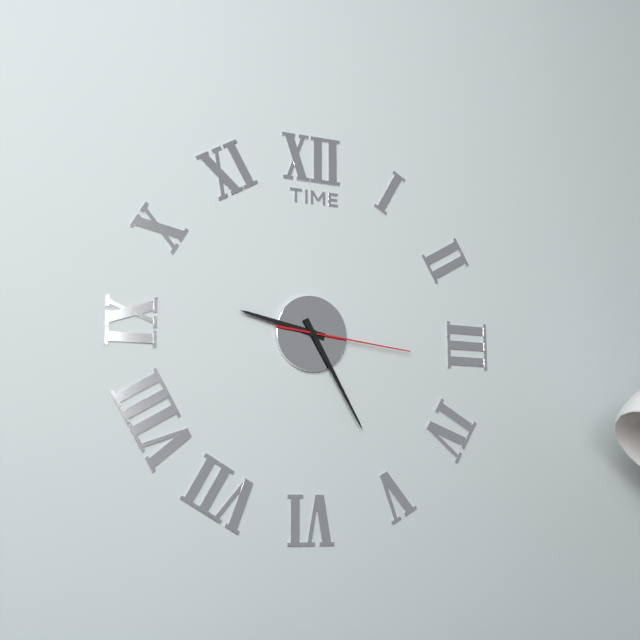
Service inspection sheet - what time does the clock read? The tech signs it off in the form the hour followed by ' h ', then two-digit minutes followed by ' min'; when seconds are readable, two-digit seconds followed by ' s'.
9 h 25 min 16 s
